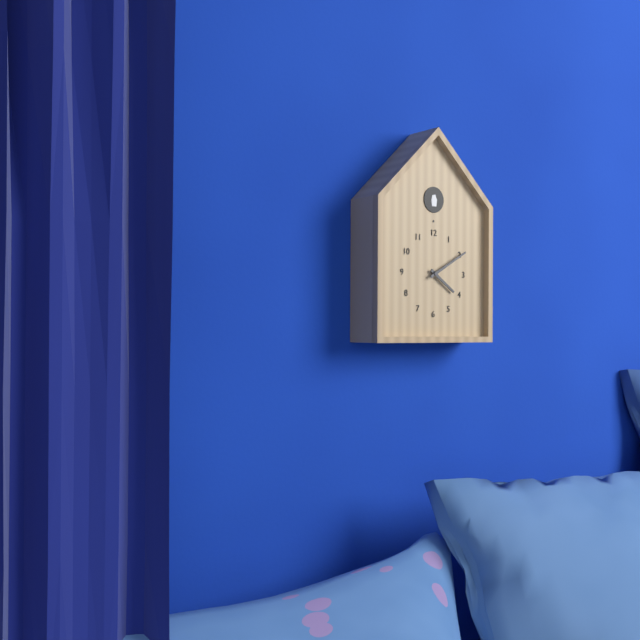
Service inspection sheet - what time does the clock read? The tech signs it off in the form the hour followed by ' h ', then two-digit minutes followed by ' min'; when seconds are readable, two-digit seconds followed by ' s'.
4 h 10 min
